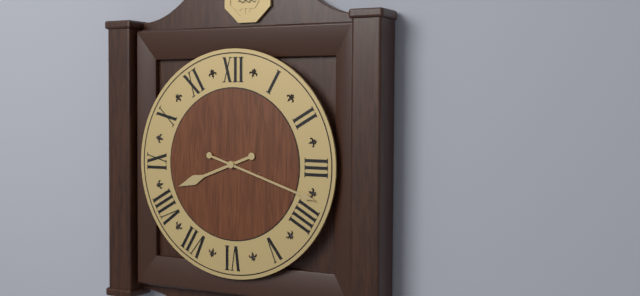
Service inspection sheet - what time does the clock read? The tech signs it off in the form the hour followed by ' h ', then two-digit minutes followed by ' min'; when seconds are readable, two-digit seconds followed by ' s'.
8 h 18 min
